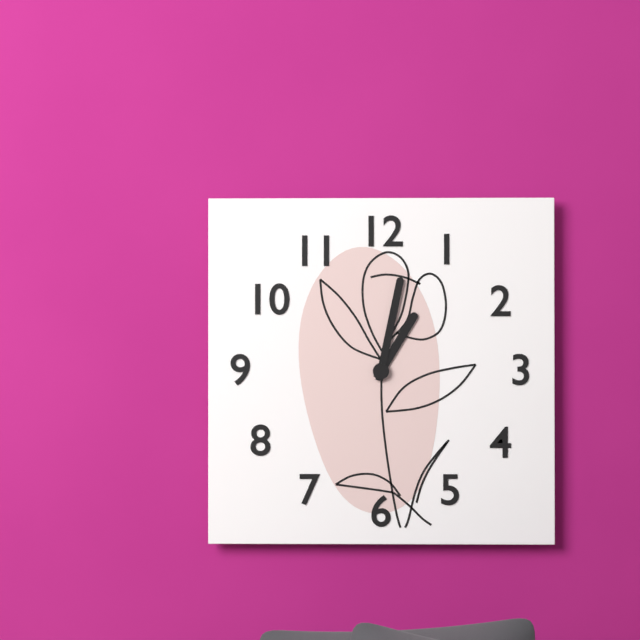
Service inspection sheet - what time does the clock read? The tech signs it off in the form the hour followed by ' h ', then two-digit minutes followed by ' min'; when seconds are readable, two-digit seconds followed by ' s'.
1 h 02 min
